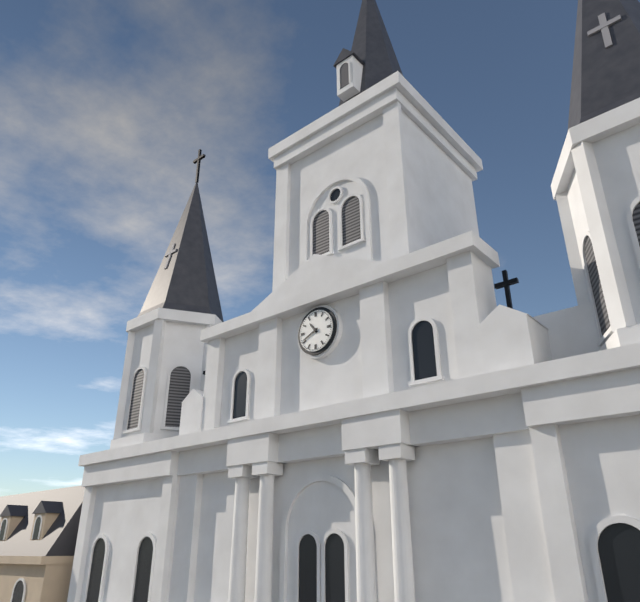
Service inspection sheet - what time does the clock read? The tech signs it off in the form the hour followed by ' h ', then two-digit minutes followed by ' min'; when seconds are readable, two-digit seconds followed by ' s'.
10 h 41 min
